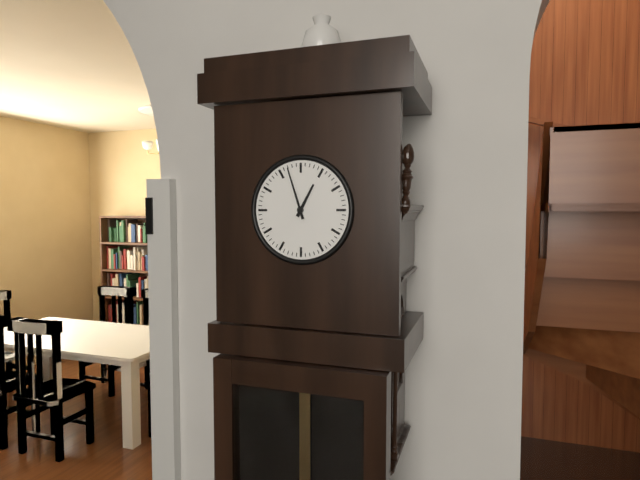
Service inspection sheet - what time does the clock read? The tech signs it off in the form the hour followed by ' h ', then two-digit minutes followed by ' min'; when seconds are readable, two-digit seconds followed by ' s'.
12 h 57 min
